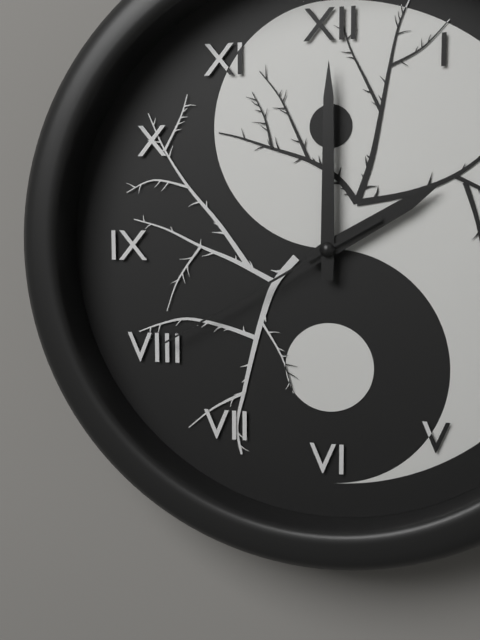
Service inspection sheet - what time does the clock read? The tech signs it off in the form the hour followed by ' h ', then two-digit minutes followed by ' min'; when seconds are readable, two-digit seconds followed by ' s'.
2 h 00 min 40 s
